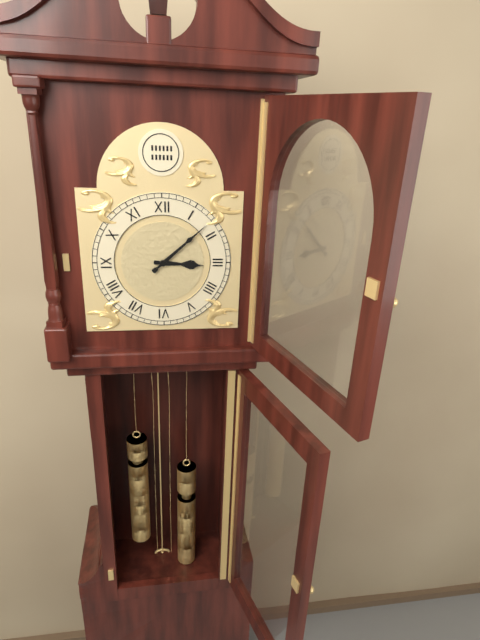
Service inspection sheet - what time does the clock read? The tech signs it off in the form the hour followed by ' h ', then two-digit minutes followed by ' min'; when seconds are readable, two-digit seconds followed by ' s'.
3 h 08 min
